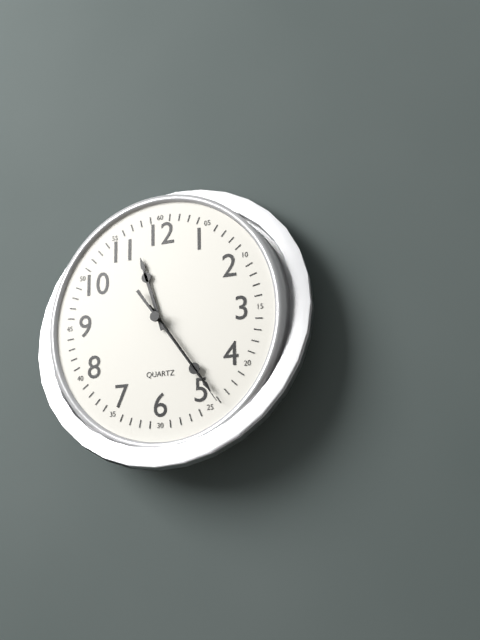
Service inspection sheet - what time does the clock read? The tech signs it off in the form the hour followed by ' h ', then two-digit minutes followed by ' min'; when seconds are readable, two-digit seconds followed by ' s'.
11 h 24 min 24 s
